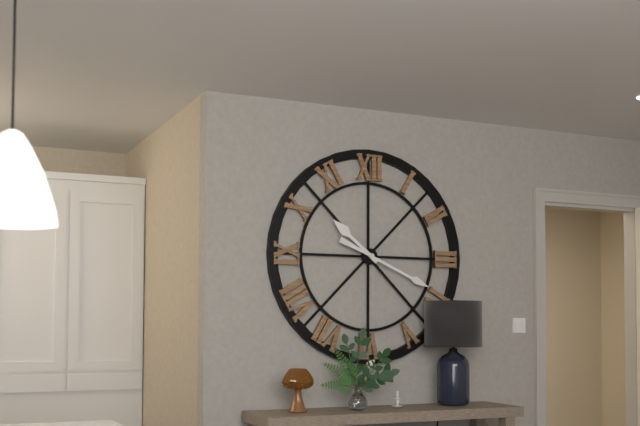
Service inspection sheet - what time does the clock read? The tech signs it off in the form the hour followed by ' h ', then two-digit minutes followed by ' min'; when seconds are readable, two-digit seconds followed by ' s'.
10 h 19 min
